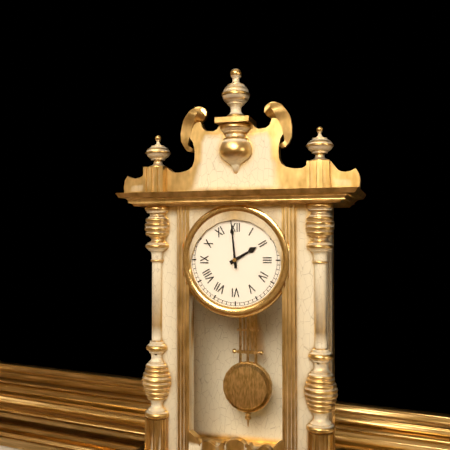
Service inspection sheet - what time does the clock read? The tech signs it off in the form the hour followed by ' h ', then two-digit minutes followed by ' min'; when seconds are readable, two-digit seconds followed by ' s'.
1 h 59 min
